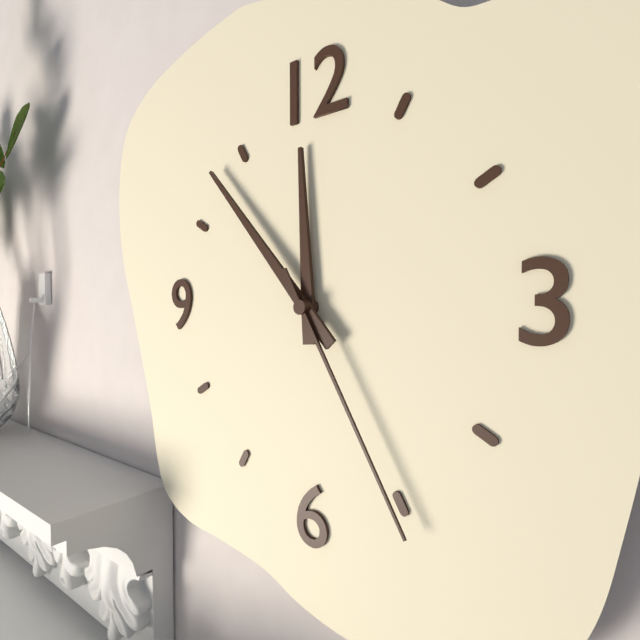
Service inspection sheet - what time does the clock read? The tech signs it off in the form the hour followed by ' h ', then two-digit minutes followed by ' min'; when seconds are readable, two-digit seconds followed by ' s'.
11 h 53 min 25 s
